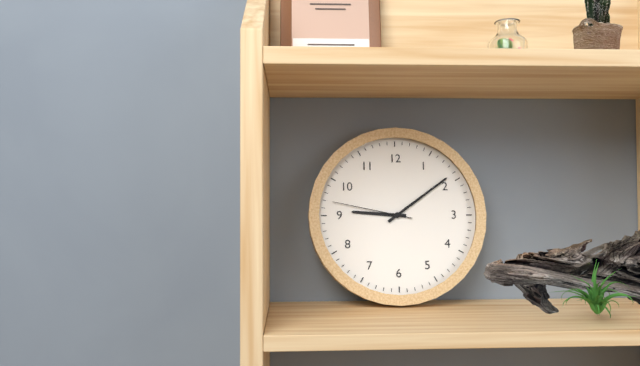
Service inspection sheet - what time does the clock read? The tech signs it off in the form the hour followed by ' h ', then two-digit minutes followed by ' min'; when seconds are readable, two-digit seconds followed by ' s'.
9 h 09 min 47 s
